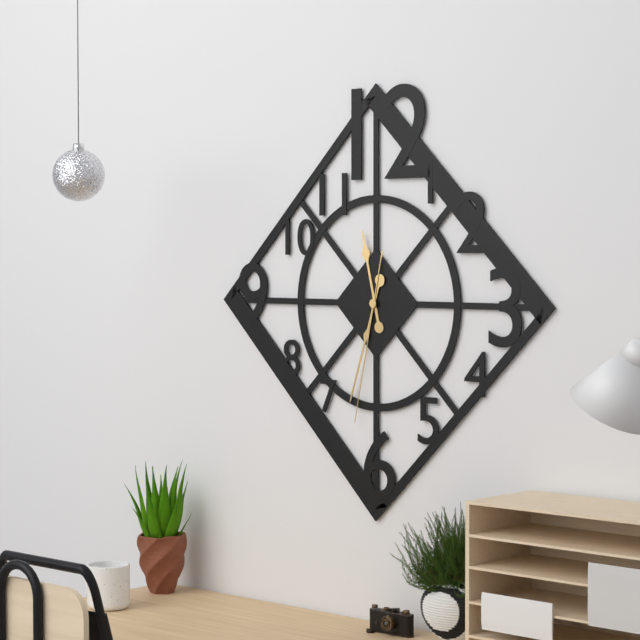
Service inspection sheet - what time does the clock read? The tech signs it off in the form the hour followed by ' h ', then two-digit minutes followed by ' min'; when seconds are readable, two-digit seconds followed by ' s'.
11 h 33 min 32 s
